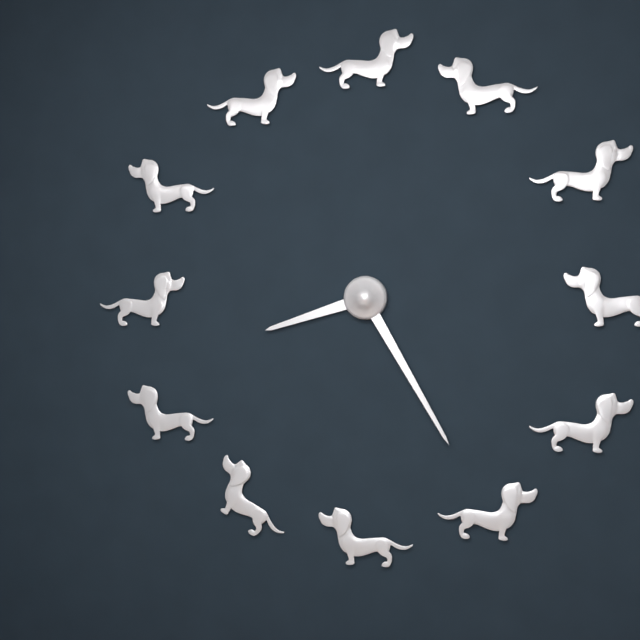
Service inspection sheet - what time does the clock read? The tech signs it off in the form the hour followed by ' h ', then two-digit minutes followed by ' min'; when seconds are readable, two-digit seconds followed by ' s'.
8 h 25 min
